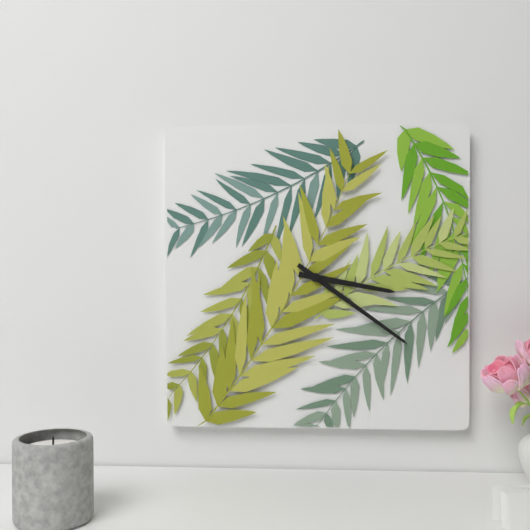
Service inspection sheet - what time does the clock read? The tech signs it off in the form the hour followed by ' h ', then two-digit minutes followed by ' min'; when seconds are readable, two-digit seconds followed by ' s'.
3 h 21 min
